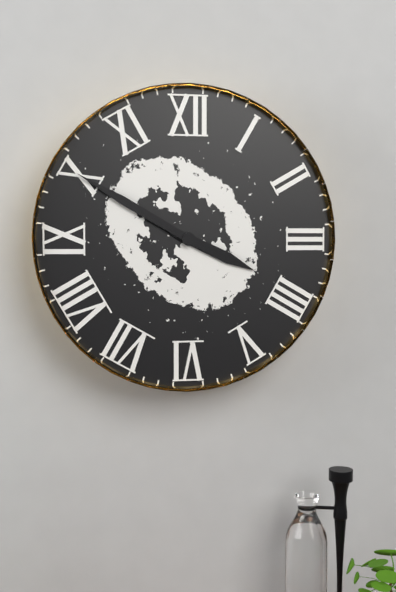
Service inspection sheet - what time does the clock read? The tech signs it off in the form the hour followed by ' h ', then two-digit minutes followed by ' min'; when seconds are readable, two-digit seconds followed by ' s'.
3 h 50 min
